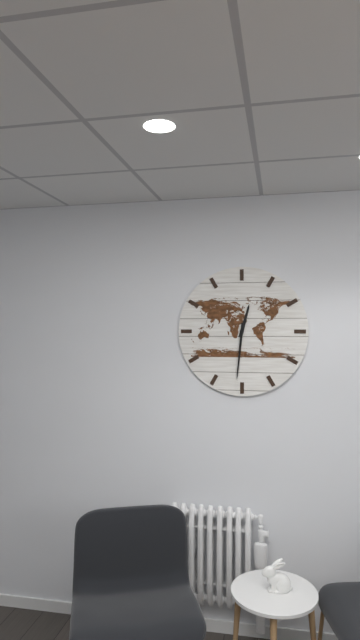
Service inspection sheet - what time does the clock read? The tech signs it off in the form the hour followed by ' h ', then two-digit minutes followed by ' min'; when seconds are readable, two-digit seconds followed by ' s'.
12 h 31 min
